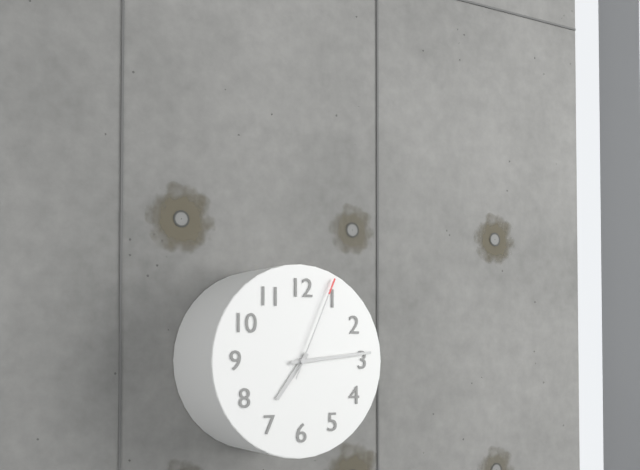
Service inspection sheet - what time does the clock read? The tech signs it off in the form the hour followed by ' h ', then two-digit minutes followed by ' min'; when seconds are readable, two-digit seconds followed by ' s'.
7 h 14 min 04 s
